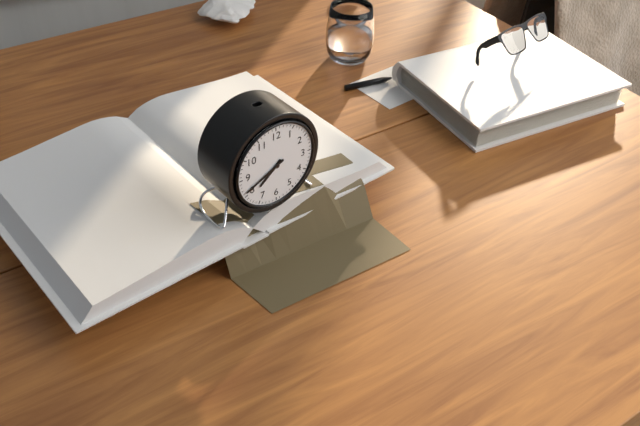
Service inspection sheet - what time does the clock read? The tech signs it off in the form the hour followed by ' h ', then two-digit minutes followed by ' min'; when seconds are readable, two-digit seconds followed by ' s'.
7 h 41 min
